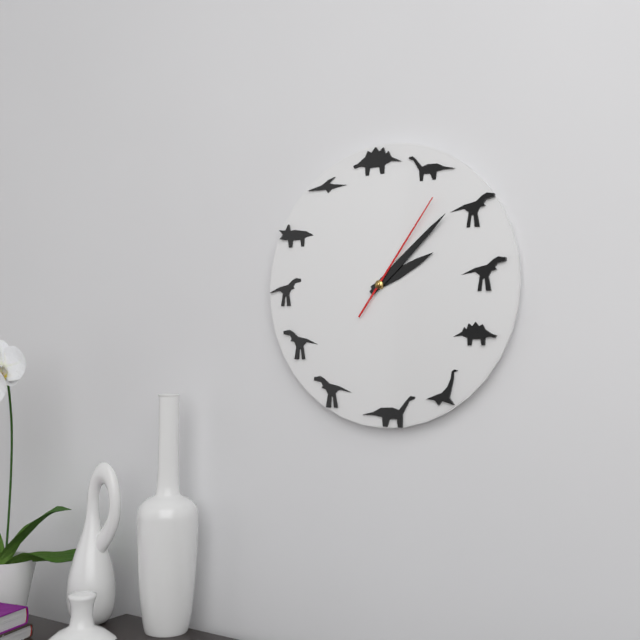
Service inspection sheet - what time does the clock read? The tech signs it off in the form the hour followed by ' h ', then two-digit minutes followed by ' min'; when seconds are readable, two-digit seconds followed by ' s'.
2 h 08 min 06 s
